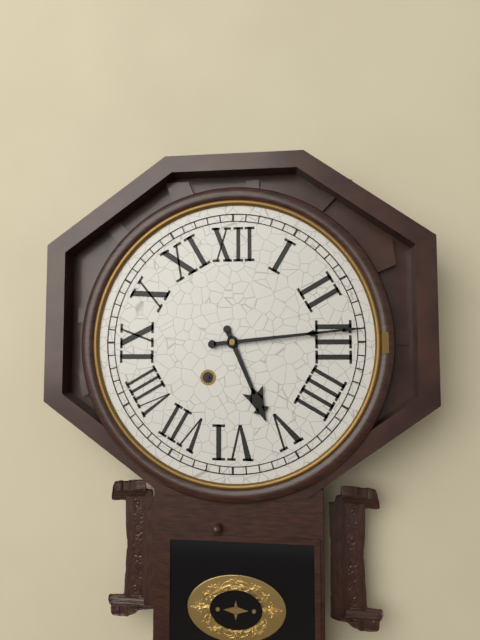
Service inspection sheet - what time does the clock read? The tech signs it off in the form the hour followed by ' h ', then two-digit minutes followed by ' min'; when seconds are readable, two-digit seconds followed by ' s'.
5 h 14 min
